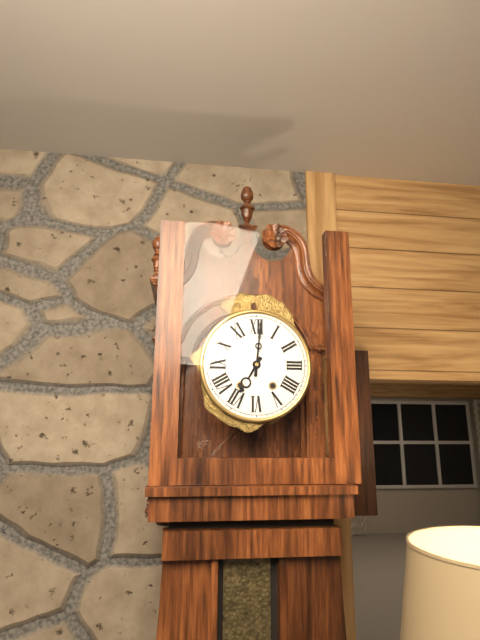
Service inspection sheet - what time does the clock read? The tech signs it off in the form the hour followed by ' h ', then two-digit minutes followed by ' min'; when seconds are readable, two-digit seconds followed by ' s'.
7 h 01 min
